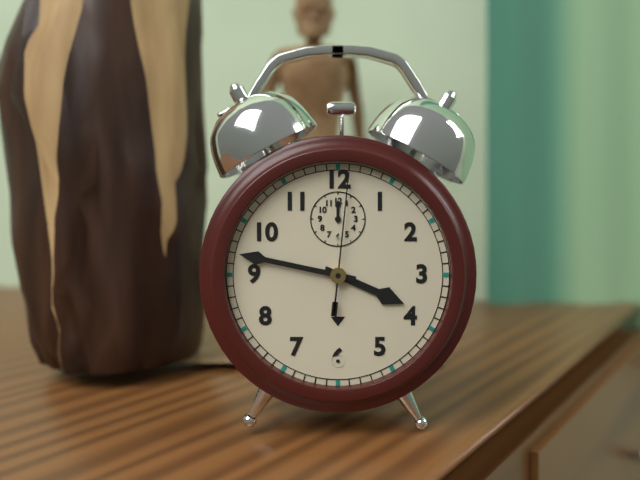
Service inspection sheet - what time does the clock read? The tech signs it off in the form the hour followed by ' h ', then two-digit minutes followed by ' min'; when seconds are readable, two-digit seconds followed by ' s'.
3 h 47 min 01 s
